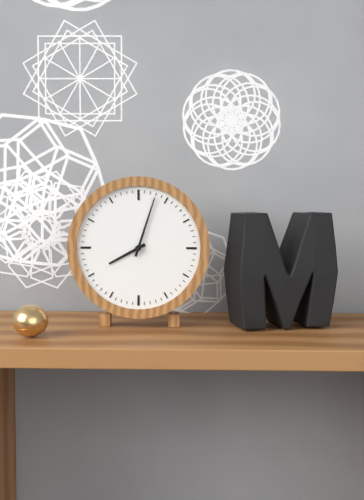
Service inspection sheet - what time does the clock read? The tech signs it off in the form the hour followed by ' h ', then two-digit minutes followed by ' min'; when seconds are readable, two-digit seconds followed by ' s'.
8 h 03 min
